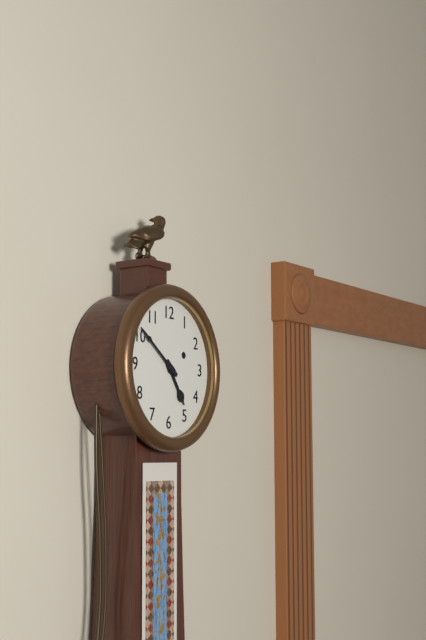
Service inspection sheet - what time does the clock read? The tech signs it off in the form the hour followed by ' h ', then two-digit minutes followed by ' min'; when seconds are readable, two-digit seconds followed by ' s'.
4 h 51 min
